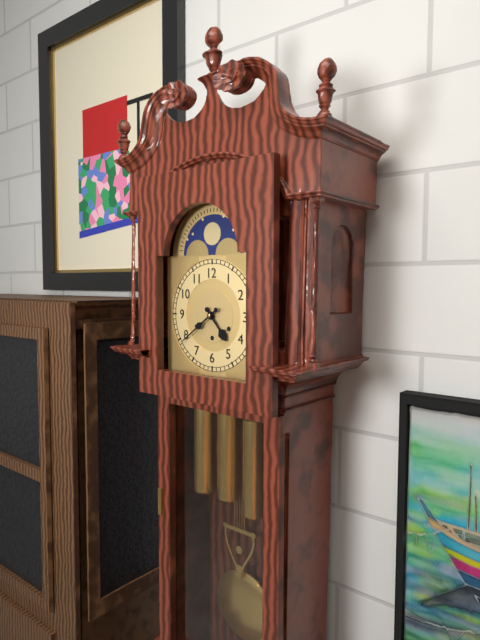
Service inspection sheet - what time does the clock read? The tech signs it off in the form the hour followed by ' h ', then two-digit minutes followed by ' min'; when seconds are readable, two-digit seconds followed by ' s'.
4 h 39 min
